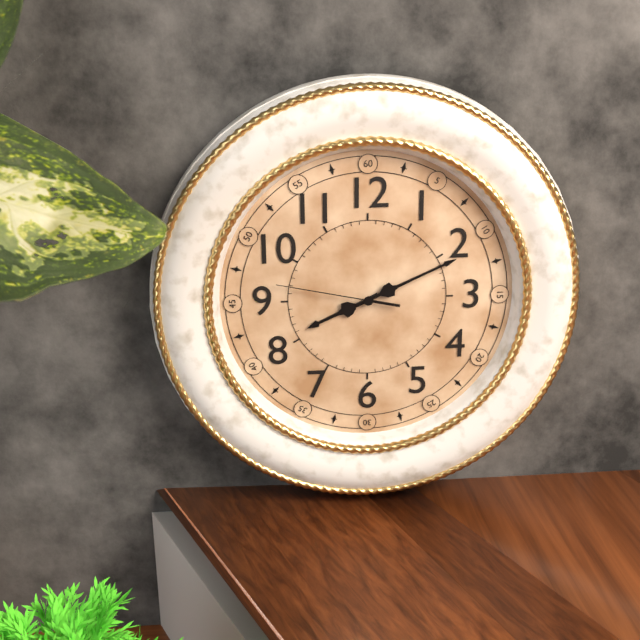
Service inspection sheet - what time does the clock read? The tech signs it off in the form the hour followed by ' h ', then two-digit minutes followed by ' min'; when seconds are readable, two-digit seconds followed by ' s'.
8 h 11 min 47 s
